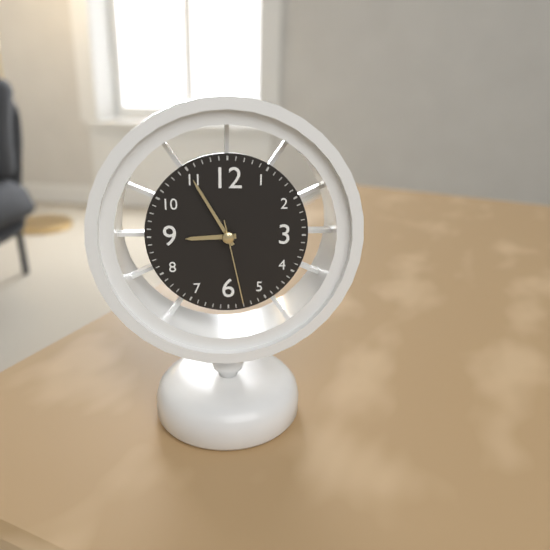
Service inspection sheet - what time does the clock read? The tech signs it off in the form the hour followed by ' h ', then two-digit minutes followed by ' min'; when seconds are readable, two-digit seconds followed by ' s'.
8 h 55 min 28 s
